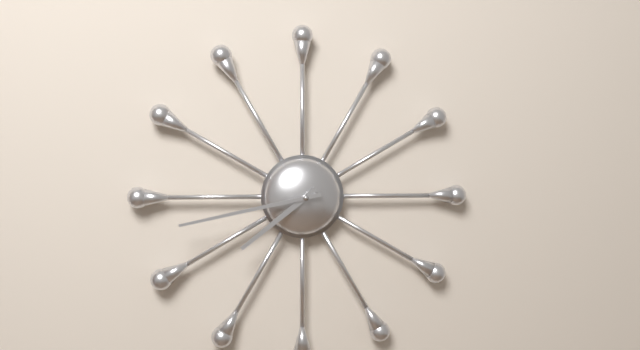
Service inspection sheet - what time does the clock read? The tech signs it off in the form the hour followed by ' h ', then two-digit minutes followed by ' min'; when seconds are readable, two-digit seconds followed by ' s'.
7 h 43 min
